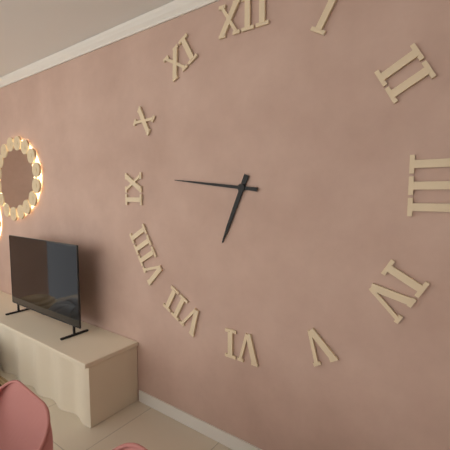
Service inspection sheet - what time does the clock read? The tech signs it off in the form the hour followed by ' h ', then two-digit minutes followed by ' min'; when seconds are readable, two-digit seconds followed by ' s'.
6 h 46 min
